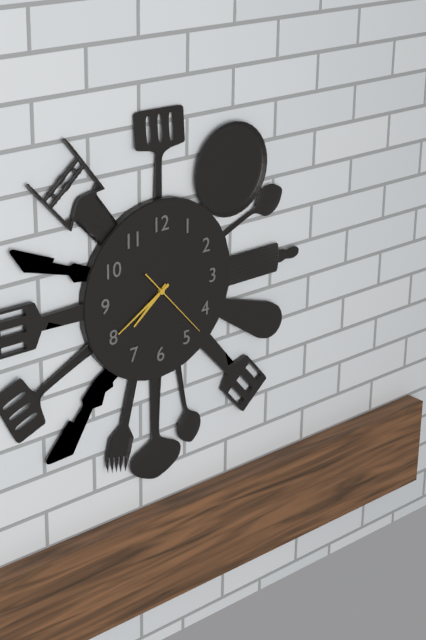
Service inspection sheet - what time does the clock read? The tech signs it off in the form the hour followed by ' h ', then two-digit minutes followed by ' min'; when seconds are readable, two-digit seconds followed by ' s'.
7 h 40 min 23 s
